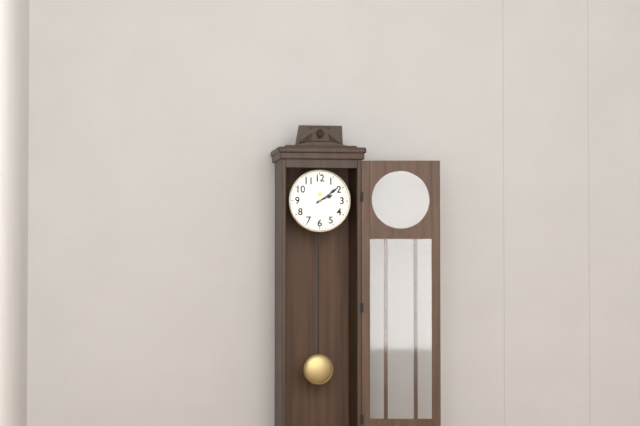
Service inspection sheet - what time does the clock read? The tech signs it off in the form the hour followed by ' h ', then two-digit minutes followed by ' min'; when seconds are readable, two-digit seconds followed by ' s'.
2 h 09 min
